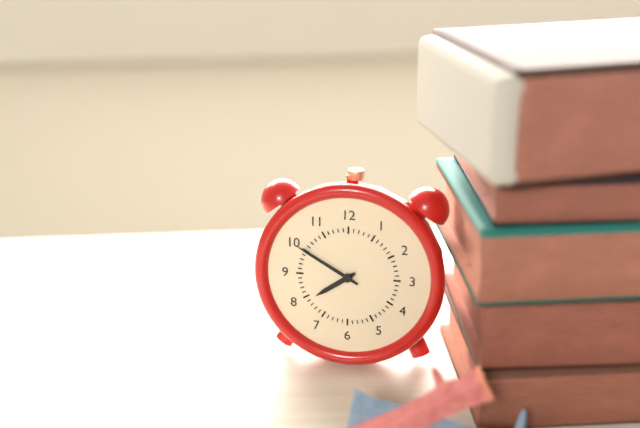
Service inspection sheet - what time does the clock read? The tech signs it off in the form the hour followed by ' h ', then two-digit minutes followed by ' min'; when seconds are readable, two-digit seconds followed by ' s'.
7 h 50 min
